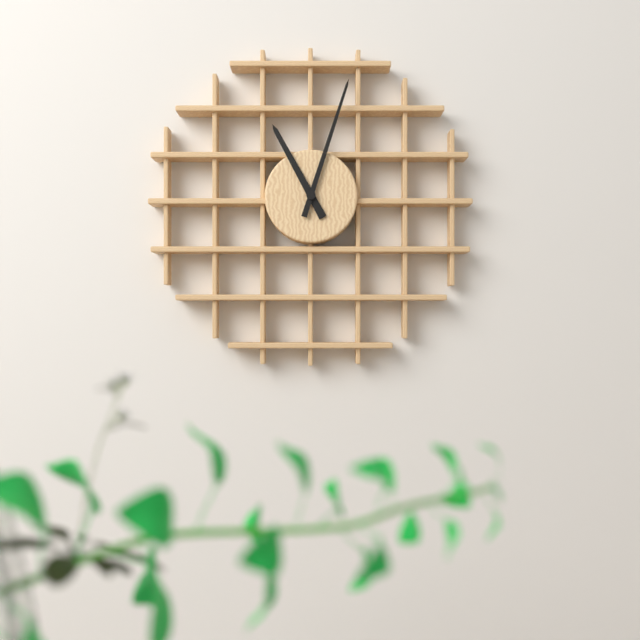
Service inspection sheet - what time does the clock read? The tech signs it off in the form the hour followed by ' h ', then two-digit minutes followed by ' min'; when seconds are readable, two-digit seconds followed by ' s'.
11 h 03 min
